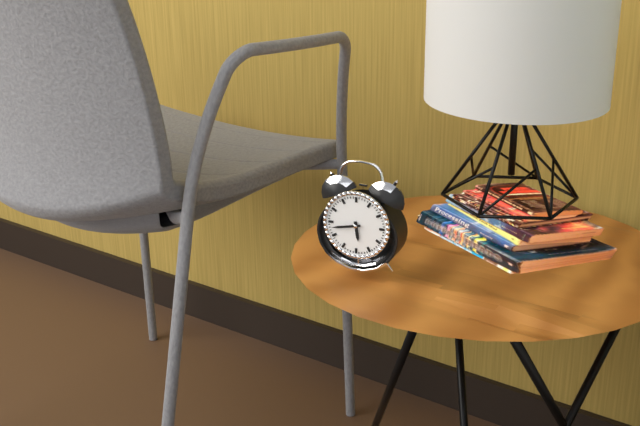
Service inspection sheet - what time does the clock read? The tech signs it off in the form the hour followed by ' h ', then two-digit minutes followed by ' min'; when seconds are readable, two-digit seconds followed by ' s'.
5 h 43 min
